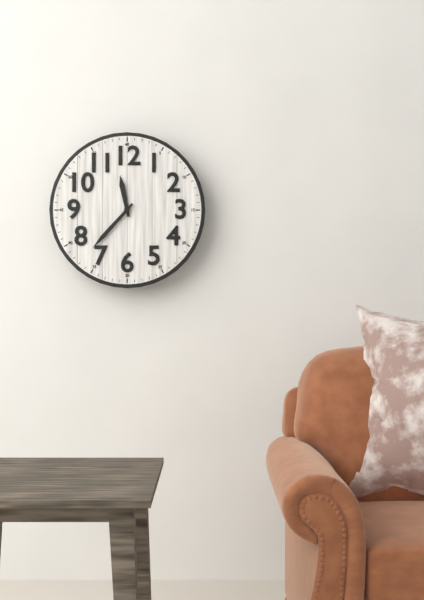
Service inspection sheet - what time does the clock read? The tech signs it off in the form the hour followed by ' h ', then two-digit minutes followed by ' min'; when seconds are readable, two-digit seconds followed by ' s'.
11 h 37 min
